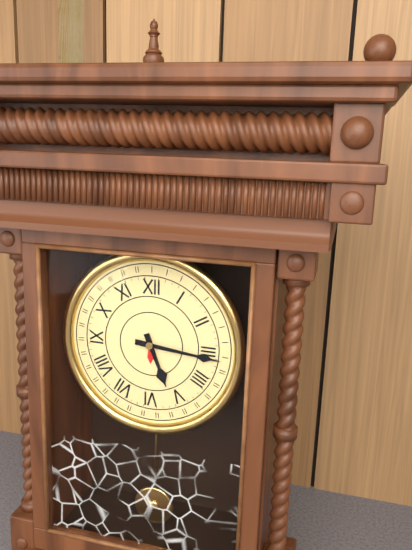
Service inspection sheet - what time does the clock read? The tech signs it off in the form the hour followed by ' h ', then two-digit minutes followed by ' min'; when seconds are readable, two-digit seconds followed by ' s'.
5 h 16 min
